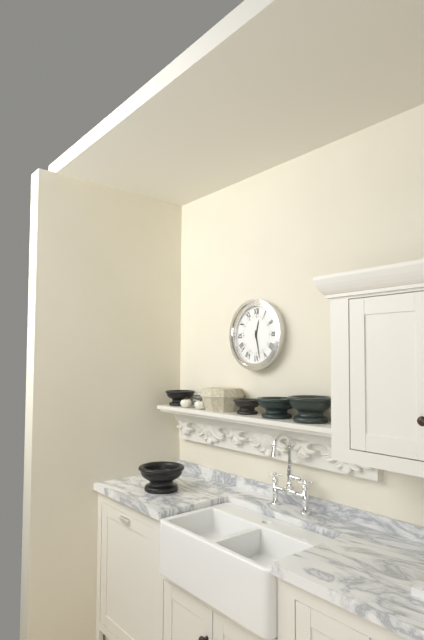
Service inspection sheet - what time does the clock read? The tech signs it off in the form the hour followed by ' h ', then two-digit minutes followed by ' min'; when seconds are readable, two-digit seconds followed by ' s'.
12 h 28 min
